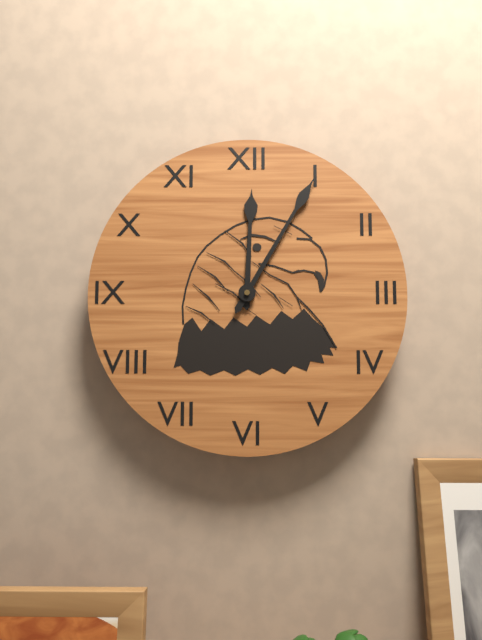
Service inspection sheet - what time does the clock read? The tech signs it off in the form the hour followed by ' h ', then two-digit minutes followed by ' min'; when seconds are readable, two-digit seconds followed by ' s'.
12 h 05 min
